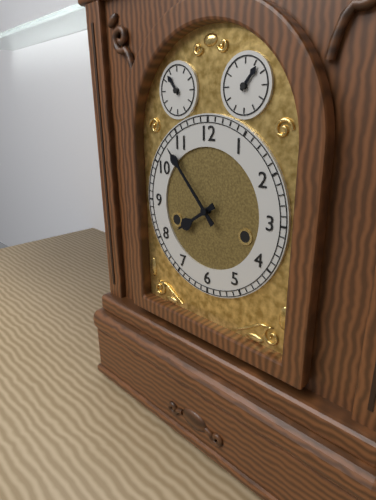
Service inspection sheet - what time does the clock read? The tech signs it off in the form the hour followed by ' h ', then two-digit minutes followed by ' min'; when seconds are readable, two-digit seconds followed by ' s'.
7 h 53 min
